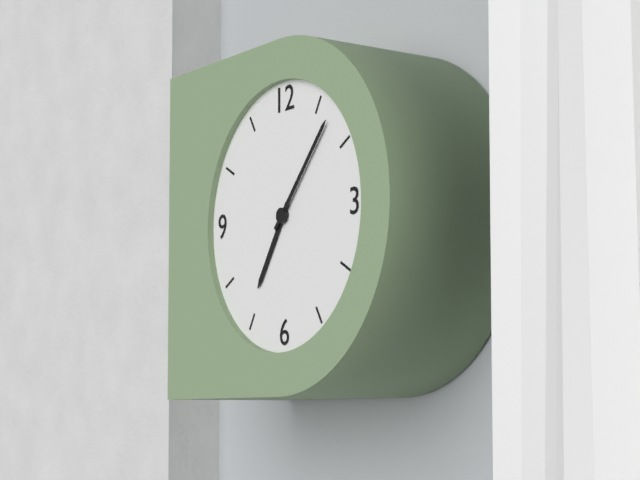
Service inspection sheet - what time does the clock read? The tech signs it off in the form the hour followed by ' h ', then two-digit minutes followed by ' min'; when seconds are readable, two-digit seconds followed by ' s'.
7 h 07 min
